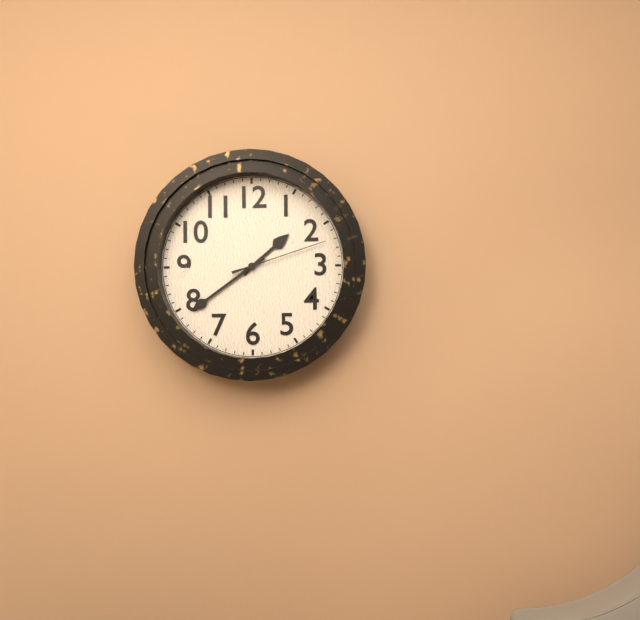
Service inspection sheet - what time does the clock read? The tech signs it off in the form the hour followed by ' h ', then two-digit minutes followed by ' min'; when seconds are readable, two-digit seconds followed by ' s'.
1 h 39 min 12 s
